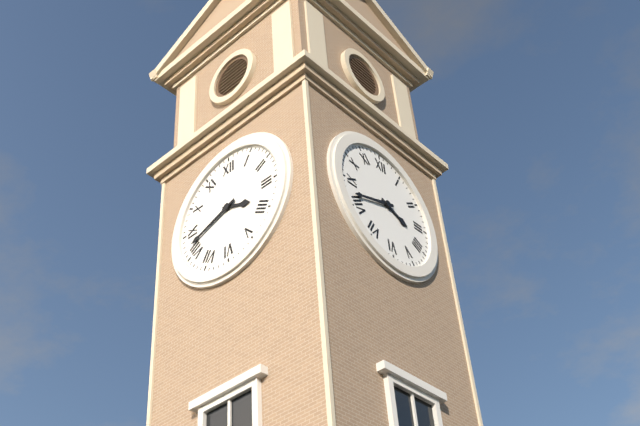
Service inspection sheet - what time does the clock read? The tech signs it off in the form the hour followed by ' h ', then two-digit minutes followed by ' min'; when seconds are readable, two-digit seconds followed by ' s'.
3 h 42 min
